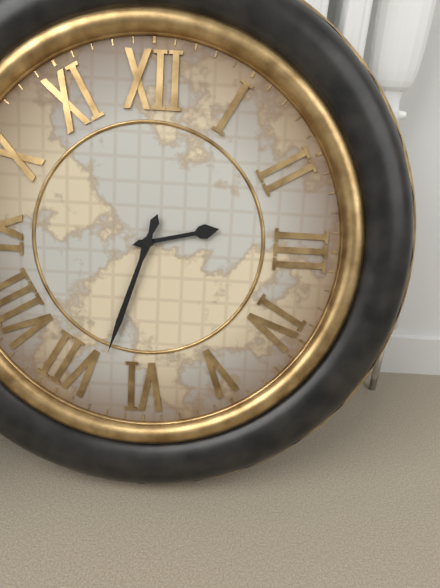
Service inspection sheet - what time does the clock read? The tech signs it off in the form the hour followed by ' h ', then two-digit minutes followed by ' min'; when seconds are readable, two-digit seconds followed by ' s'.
2 h 33 min
